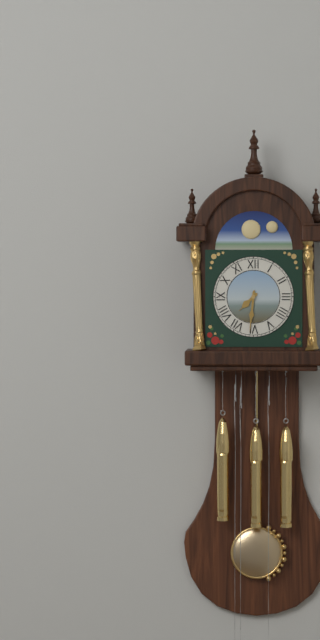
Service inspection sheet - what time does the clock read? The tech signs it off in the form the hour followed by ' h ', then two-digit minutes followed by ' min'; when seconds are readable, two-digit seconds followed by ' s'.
7 h 31 min
